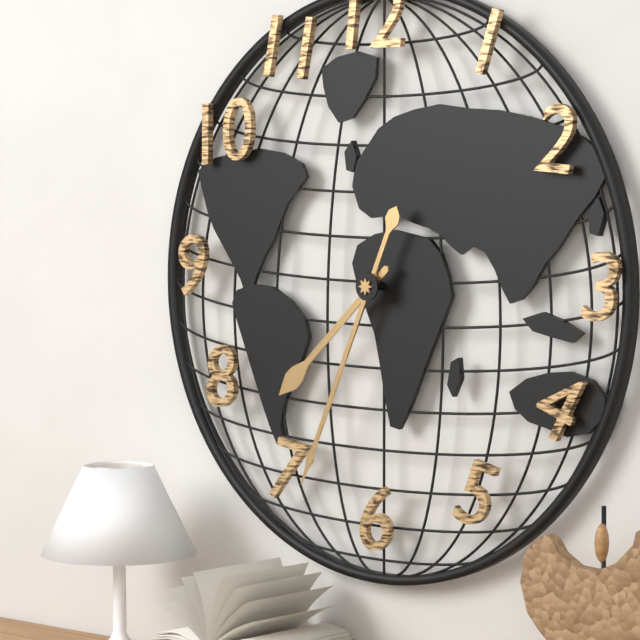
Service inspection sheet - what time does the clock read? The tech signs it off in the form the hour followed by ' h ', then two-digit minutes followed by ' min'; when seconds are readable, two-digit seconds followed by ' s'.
7 h 34 min
